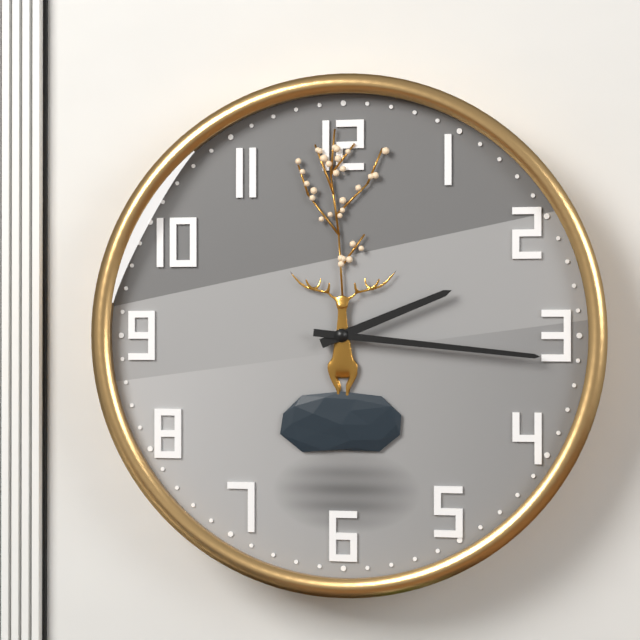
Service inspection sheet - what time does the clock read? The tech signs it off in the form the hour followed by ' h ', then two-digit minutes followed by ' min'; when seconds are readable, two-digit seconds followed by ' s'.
2 h 16 min
